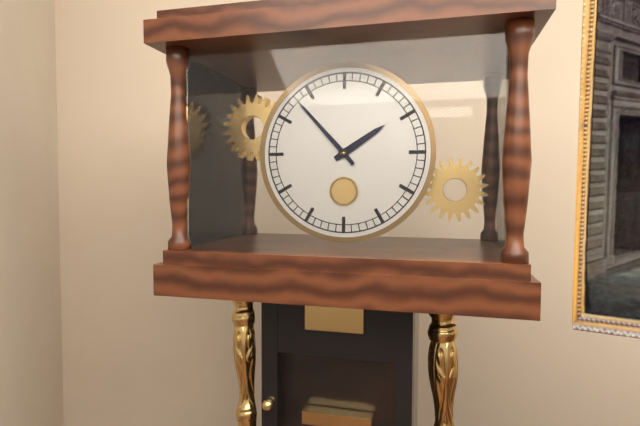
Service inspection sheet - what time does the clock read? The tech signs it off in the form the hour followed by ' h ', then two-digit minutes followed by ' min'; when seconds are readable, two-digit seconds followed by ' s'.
1 h 53 min
